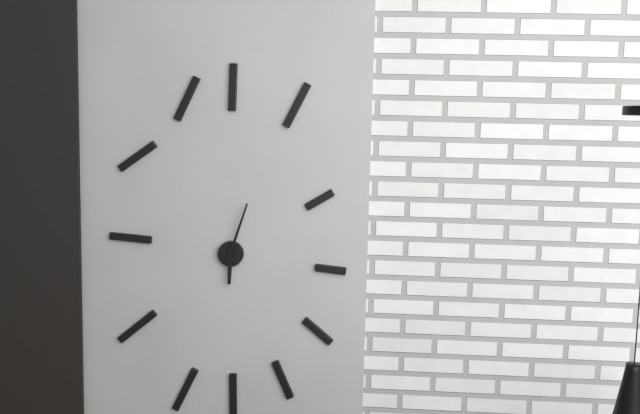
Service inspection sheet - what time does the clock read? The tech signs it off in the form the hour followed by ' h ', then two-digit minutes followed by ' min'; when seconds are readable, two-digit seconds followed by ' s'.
6 h 03 min
